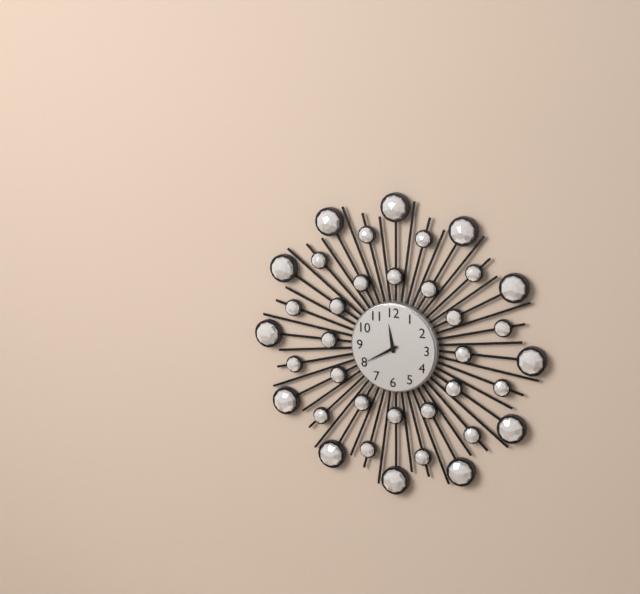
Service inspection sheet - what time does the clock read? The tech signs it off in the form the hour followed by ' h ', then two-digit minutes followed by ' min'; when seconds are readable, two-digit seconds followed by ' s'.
11 h 40 min
